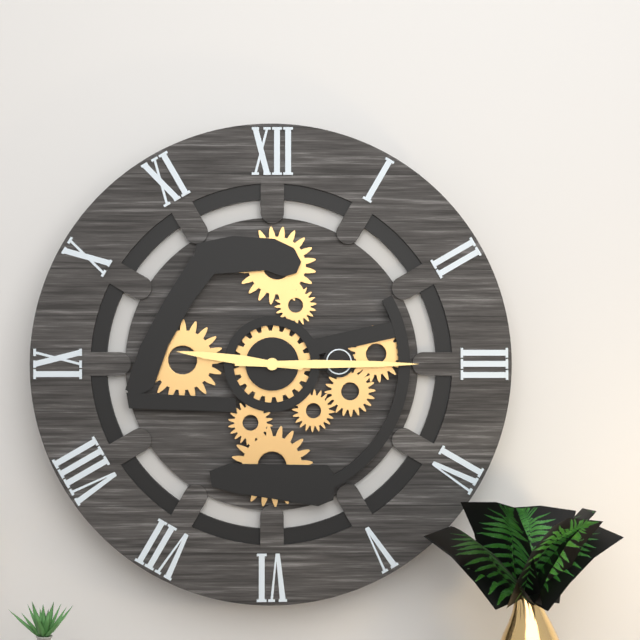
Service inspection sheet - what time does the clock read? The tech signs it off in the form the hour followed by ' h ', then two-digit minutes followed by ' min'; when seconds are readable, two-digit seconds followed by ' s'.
9 h 15 min
